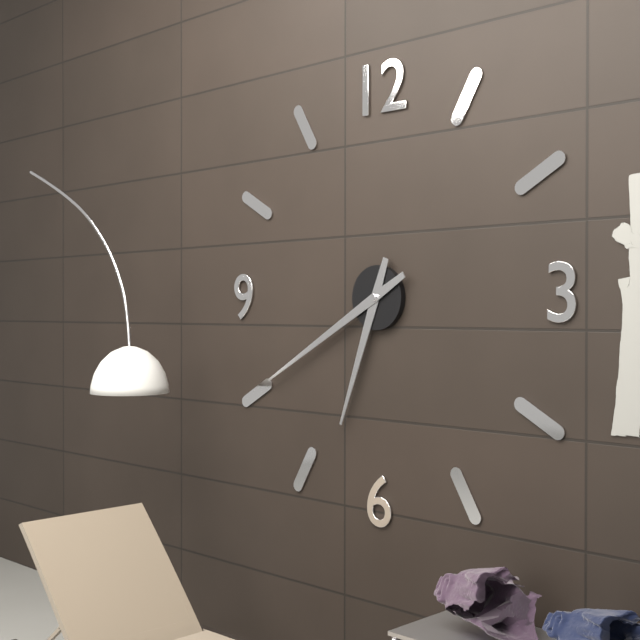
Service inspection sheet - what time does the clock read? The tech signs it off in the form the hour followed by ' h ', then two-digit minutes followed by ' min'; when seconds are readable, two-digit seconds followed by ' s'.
6 h 40 min
